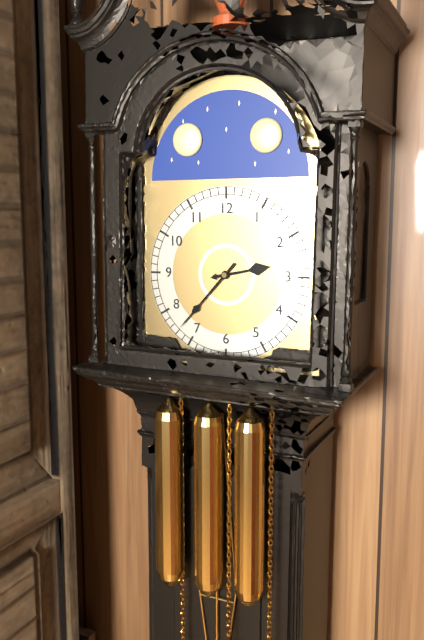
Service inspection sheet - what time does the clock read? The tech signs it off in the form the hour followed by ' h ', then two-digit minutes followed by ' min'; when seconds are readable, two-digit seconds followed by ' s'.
2 h 37 min
